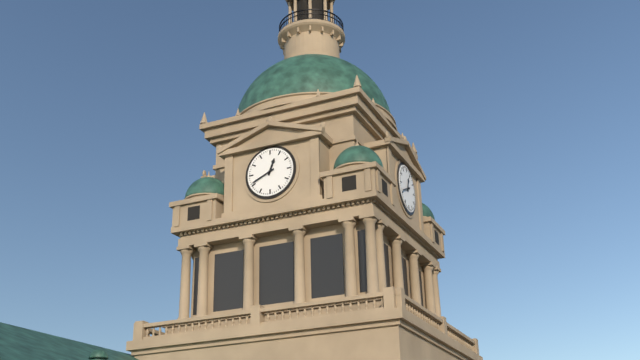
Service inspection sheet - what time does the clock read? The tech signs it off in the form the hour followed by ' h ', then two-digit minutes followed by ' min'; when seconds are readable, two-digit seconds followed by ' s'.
12 h 41 min
